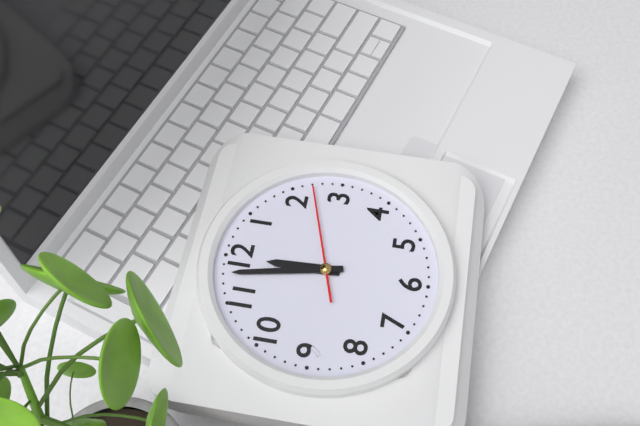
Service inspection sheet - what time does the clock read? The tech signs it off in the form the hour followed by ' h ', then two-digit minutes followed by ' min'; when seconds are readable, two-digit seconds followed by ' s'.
11 h 58 min 12 s
